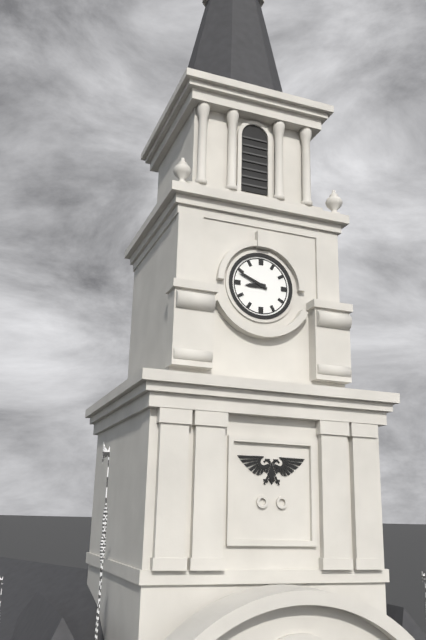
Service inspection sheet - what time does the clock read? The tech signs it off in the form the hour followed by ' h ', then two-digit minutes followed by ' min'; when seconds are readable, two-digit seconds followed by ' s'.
8 h 49 min
